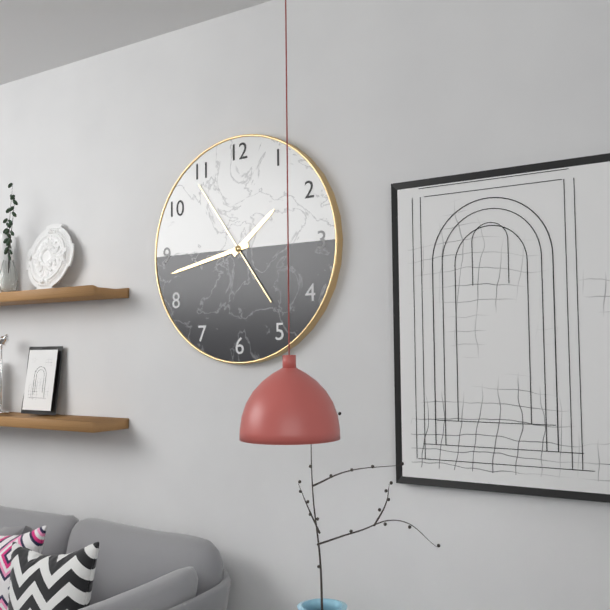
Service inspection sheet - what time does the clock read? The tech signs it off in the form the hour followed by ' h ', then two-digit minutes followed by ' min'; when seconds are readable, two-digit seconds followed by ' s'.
1 h 43 min 54 s
